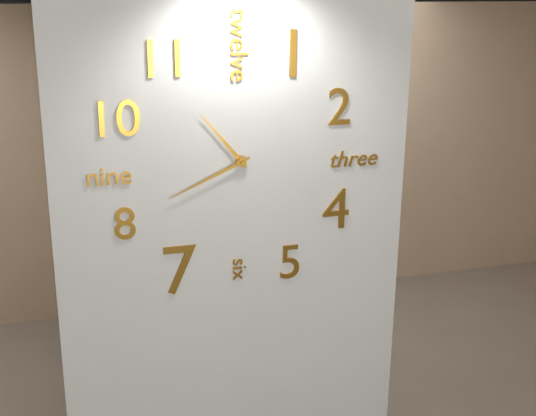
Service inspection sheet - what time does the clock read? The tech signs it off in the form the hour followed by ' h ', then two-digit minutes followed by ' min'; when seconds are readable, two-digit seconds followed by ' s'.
10 h 41 min
